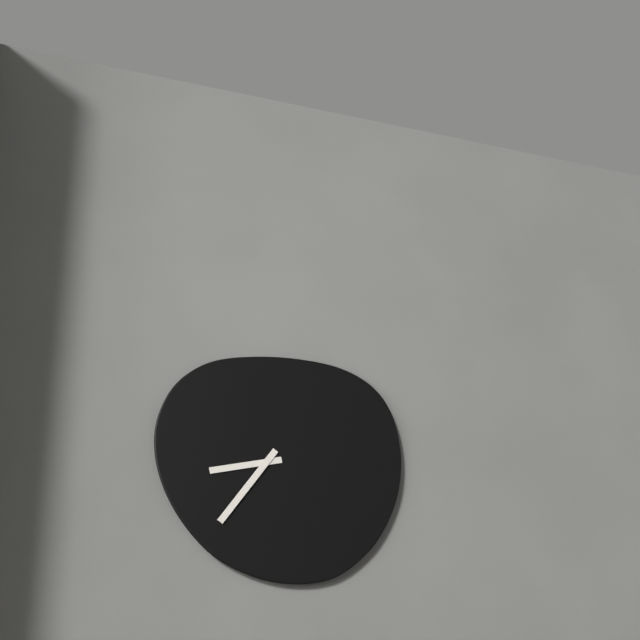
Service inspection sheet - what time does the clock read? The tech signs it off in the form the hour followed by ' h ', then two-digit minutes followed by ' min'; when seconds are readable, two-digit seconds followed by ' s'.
8 h 36 min
